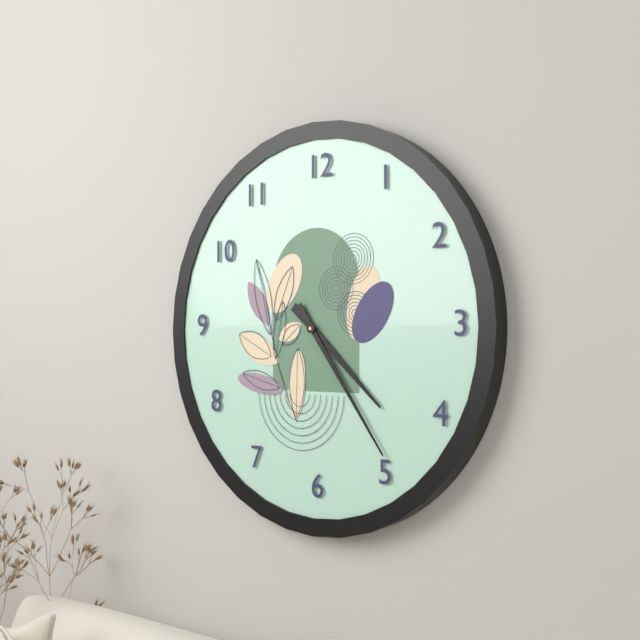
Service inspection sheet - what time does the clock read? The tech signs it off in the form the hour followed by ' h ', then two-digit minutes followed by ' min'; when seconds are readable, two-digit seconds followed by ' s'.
4 h 24 min
